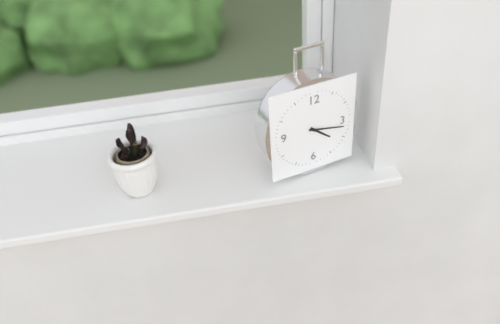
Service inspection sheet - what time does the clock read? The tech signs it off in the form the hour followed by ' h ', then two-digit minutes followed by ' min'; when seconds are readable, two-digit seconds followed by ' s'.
4 h 17 min
